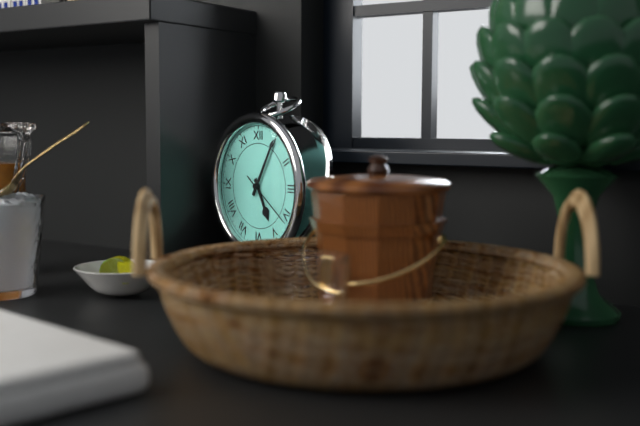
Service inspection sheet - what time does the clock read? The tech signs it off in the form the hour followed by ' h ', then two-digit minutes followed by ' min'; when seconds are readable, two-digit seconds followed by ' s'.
5 h 05 min 21 s
